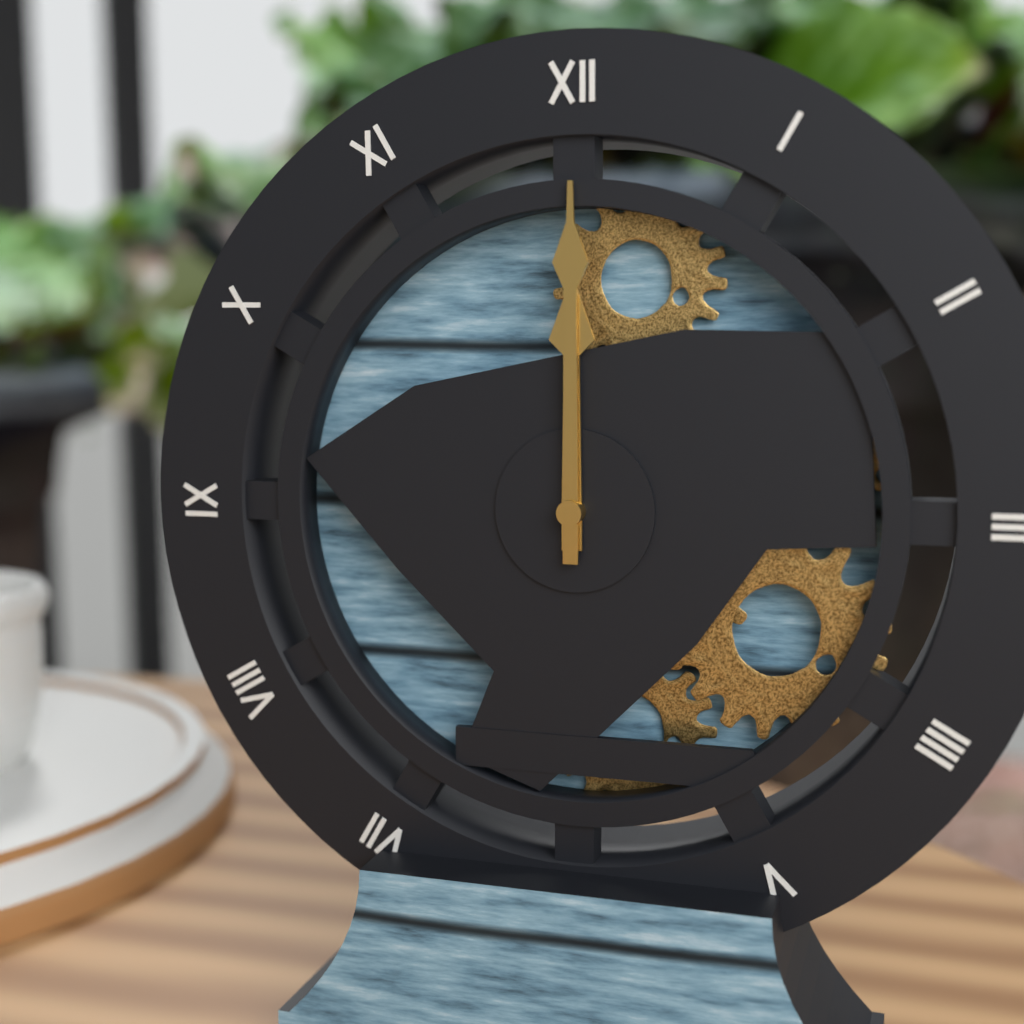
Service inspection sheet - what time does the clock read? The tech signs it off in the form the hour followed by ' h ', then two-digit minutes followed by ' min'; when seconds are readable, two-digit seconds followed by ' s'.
12 h 00 min
